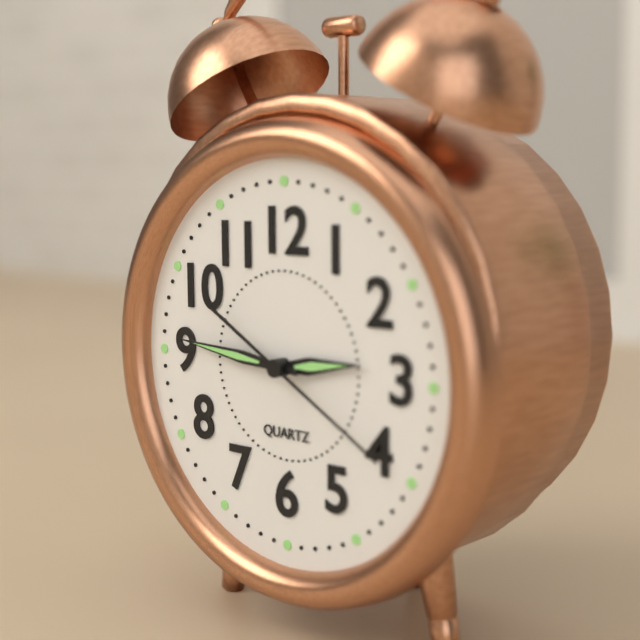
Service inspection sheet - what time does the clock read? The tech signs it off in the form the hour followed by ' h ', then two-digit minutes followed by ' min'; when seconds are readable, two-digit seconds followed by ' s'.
2 h 46 min 20 s
